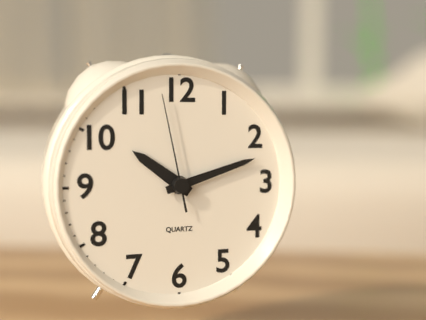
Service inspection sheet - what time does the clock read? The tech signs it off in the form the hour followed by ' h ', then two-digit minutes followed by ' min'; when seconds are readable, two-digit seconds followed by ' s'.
10 h 12 min 58 s
